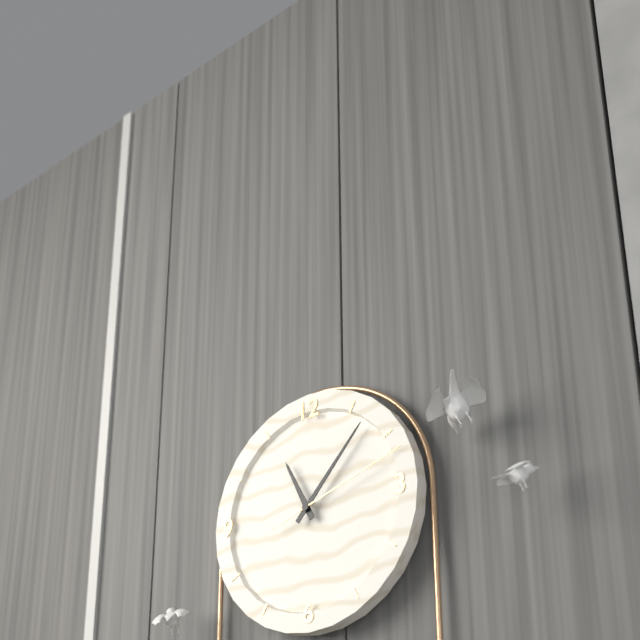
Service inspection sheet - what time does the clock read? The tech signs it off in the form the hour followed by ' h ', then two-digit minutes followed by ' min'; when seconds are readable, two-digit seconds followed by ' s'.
11 h 07 min 12 s
